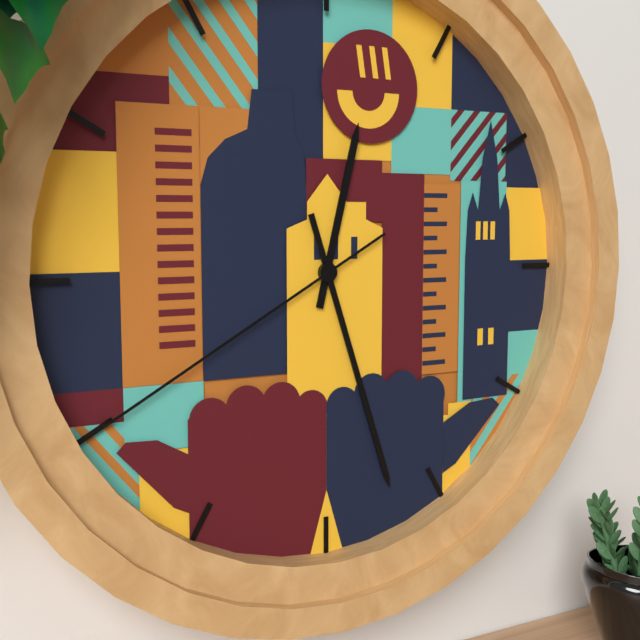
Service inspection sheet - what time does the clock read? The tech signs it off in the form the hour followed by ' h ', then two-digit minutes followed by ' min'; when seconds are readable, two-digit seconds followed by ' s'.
12 h 27 min 40 s
